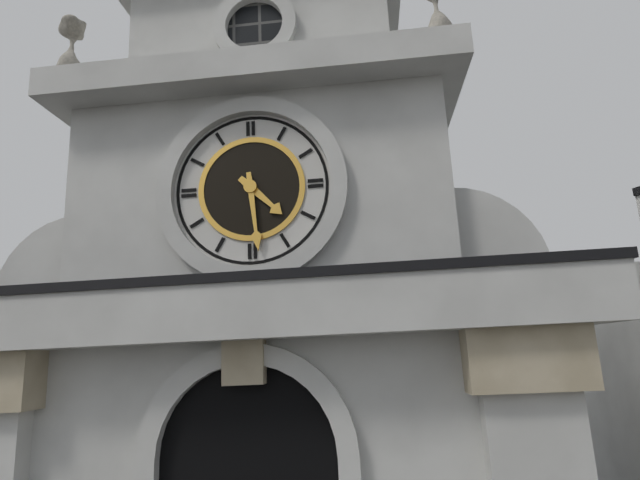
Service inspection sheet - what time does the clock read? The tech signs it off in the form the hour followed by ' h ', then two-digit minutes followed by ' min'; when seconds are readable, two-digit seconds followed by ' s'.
4 h 29 min
